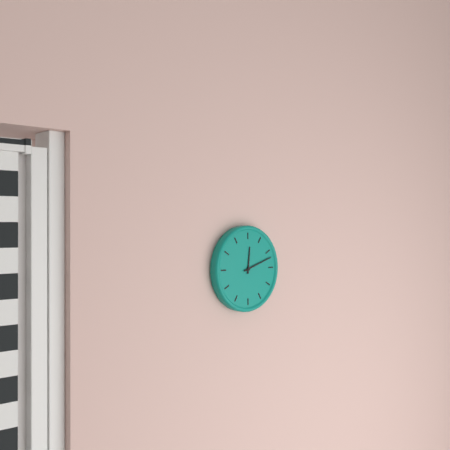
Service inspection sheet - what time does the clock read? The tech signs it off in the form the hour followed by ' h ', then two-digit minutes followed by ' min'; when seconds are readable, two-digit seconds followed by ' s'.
12 h 12 min
